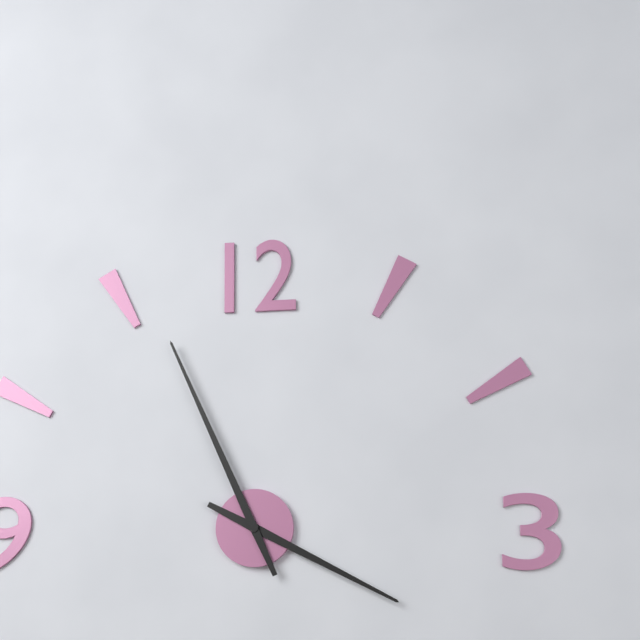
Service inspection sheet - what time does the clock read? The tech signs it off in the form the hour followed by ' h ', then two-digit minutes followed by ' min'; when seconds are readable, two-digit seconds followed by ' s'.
3 h 56 min
